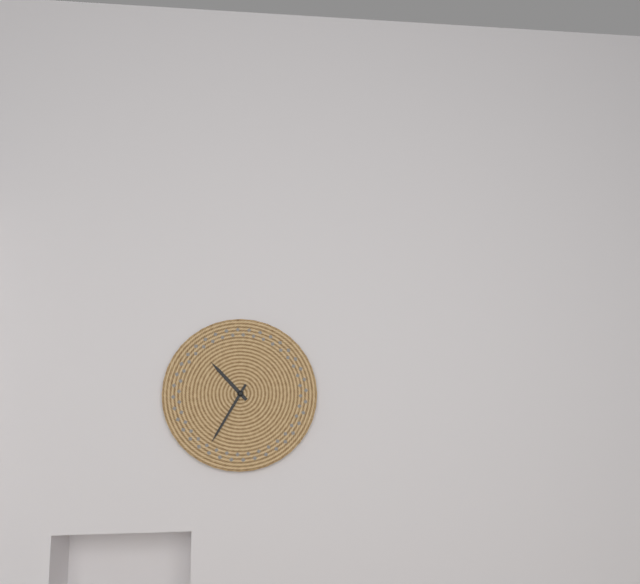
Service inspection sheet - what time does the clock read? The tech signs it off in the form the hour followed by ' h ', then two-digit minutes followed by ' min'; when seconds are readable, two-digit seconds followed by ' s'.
10 h 35 min
